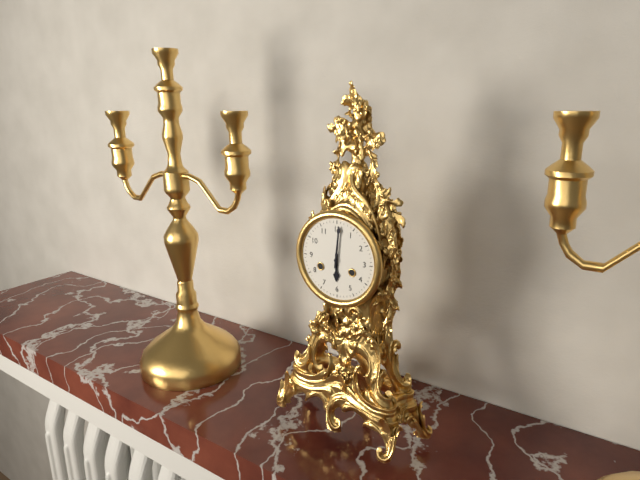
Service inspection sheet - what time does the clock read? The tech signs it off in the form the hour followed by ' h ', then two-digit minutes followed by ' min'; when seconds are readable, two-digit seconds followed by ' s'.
6 h 01 min
